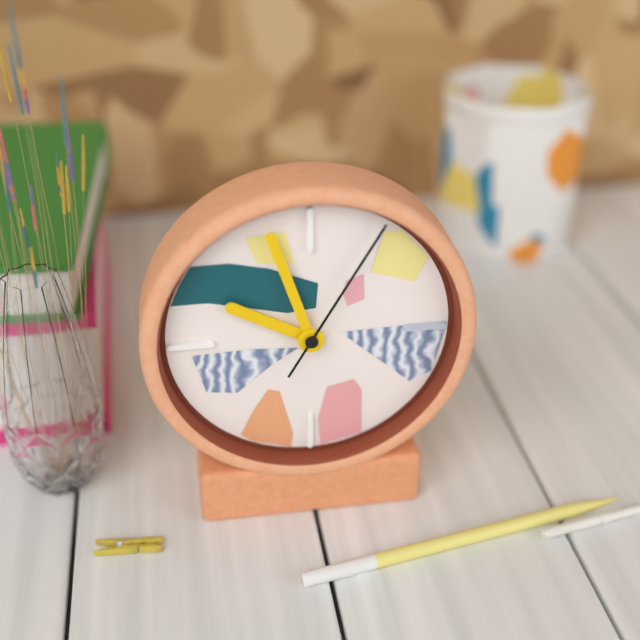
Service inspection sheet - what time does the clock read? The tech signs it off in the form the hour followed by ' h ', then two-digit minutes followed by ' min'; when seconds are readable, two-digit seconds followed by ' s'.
9 h 57 min 05 s
